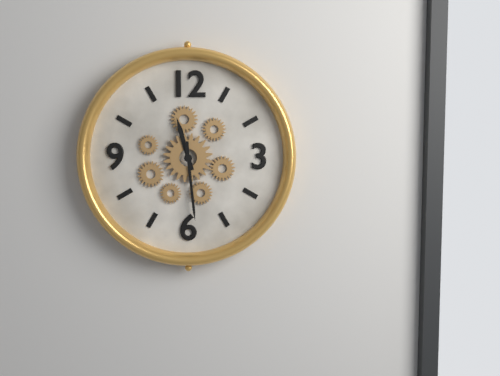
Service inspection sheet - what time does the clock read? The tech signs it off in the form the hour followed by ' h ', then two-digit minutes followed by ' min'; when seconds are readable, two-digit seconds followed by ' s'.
11 h 29 min
